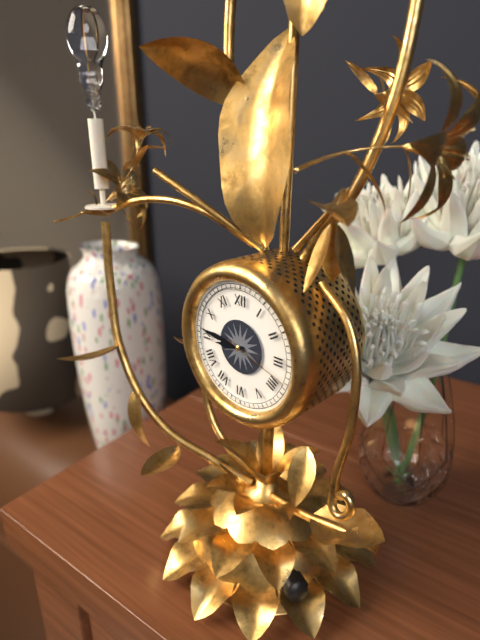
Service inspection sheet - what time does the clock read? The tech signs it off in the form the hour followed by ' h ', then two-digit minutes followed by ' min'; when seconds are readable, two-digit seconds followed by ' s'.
8 h 46 min 18 s
